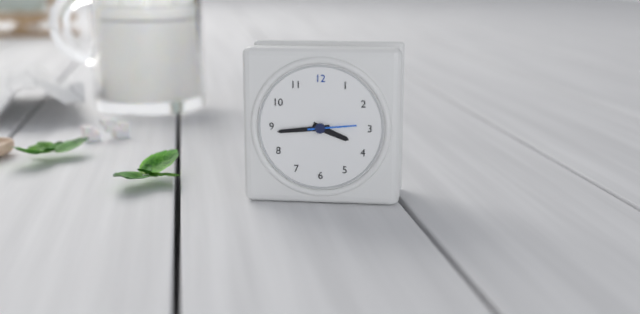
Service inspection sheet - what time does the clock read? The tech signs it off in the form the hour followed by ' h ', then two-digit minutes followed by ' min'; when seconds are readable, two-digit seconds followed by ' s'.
3 h 44 min
